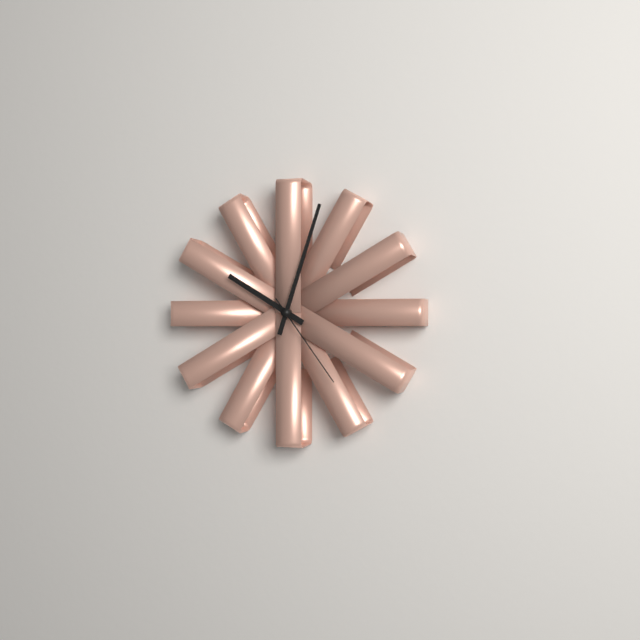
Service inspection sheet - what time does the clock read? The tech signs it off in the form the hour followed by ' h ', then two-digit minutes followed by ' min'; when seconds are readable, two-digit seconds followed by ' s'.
10 h 03 min 24 s
